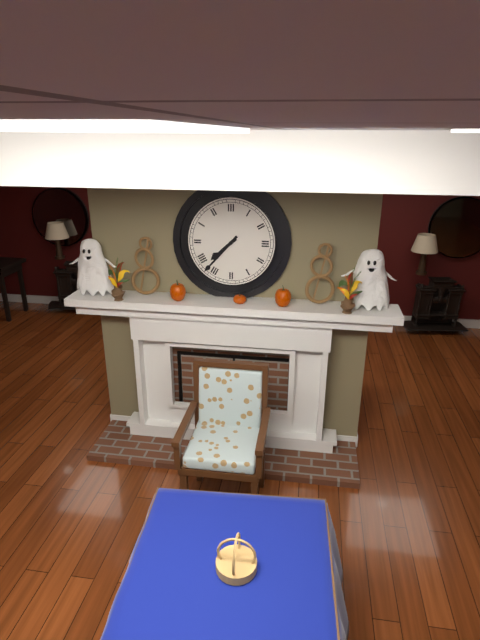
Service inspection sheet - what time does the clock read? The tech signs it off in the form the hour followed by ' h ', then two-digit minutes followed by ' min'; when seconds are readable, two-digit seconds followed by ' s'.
7 h 37 min
